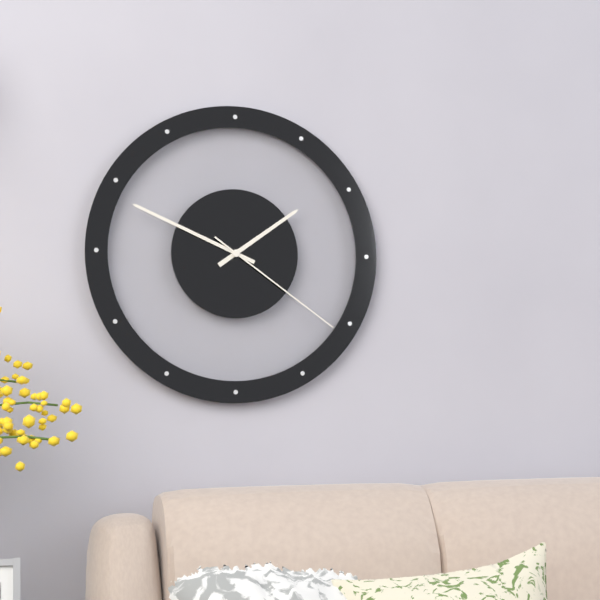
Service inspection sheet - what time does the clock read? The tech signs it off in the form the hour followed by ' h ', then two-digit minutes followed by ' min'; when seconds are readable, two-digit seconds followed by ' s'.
1 h 49 min 21 s
